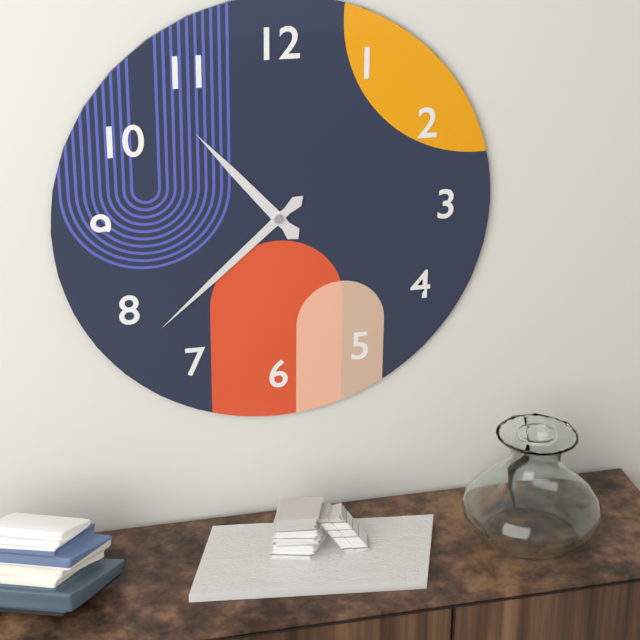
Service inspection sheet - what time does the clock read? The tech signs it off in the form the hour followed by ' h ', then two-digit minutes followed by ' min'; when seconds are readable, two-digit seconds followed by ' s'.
10 h 38 min
